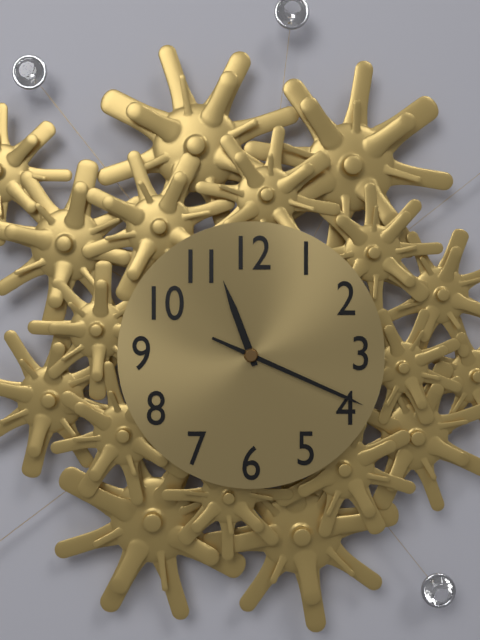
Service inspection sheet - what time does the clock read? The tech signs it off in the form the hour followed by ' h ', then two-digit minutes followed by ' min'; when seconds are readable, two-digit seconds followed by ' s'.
11 h 19 min
